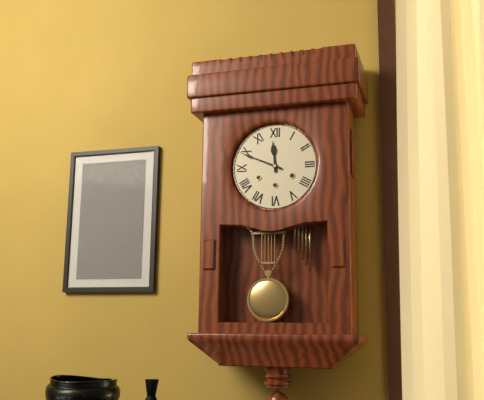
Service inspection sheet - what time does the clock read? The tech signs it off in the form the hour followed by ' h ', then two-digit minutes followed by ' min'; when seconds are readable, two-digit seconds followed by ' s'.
11 h 49 min
